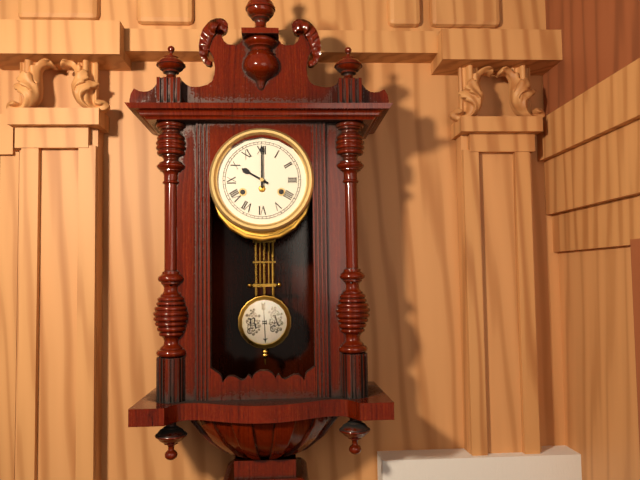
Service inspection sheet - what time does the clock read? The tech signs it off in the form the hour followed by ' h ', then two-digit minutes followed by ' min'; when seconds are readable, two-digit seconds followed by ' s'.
10 h 00 min
